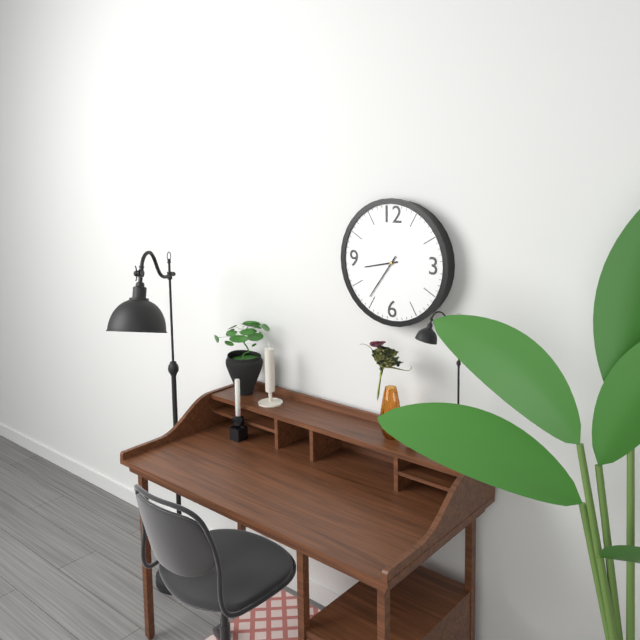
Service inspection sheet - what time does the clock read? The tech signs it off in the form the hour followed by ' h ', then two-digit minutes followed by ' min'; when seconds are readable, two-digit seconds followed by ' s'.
8 h 36 min
